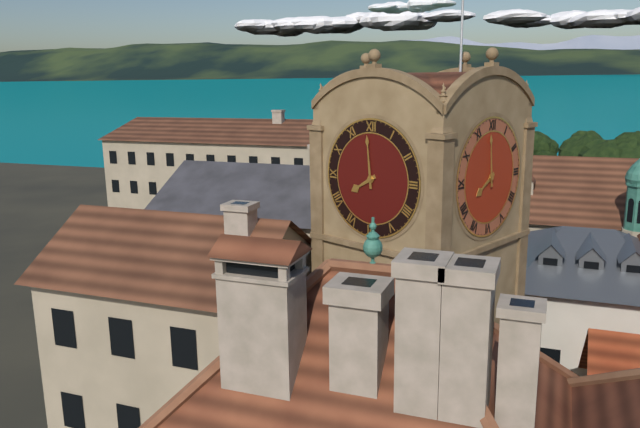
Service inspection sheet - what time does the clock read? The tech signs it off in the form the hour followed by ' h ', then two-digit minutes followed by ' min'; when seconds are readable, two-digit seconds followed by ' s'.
7 h 59 min
